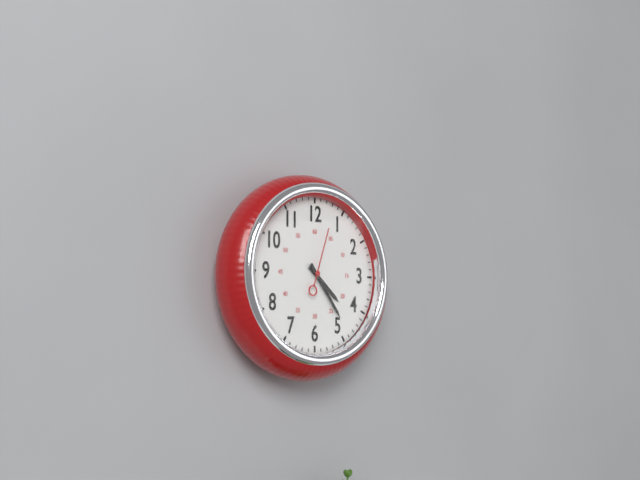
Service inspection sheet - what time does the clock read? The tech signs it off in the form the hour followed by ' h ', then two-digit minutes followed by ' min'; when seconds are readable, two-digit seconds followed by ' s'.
4 h 24 min 03 s
